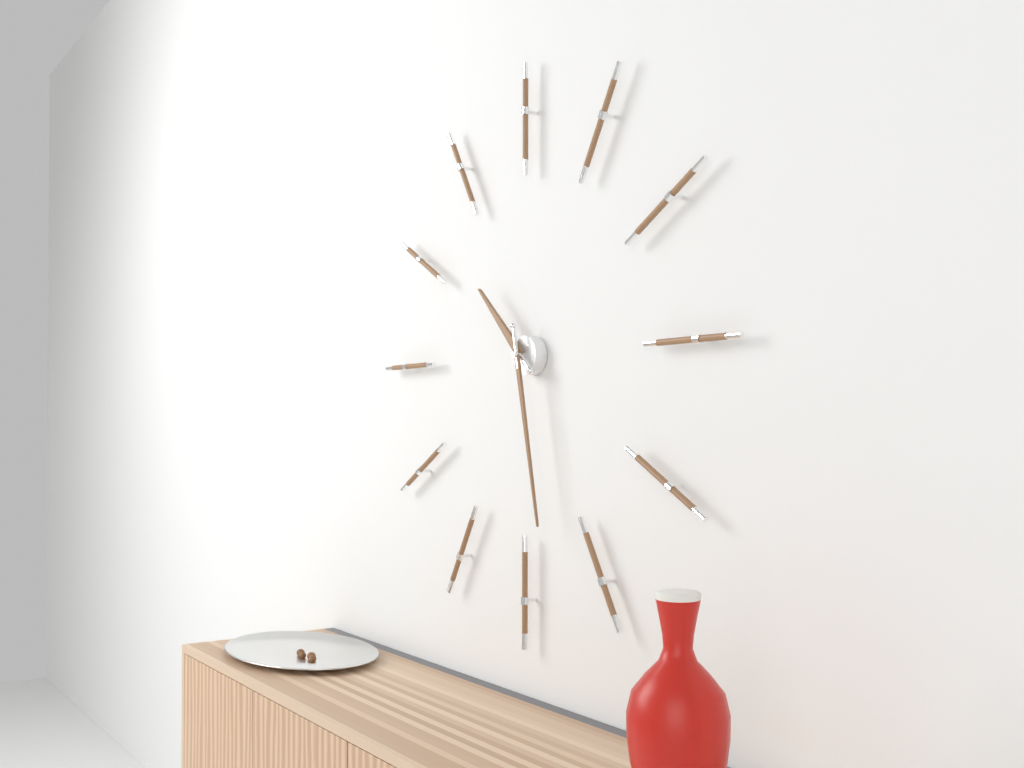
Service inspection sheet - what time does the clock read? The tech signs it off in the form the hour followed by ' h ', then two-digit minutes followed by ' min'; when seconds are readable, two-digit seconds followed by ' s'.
10 h 28 min
